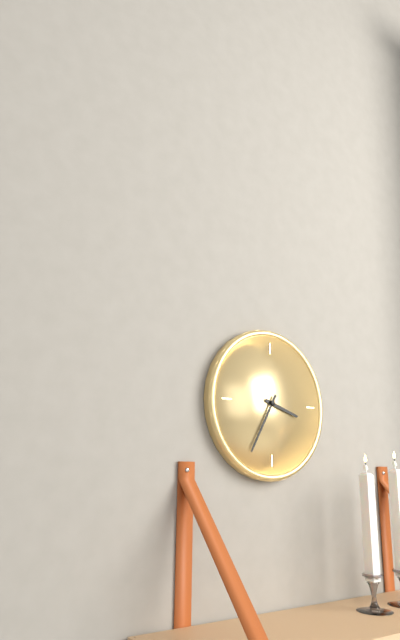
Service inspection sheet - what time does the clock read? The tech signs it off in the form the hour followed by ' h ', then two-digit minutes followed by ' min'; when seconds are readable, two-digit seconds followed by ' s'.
3 h 35 min
